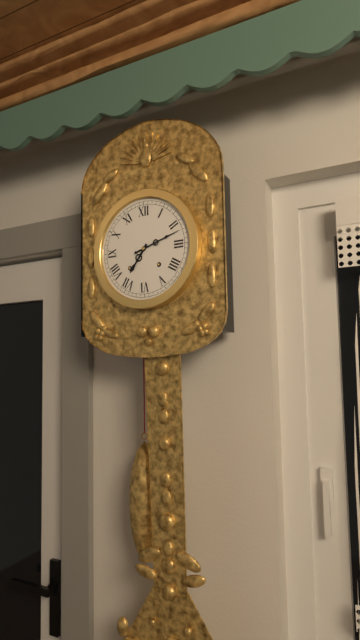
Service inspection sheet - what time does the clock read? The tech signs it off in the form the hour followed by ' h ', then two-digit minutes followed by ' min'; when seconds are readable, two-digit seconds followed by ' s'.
7 h 12 min
